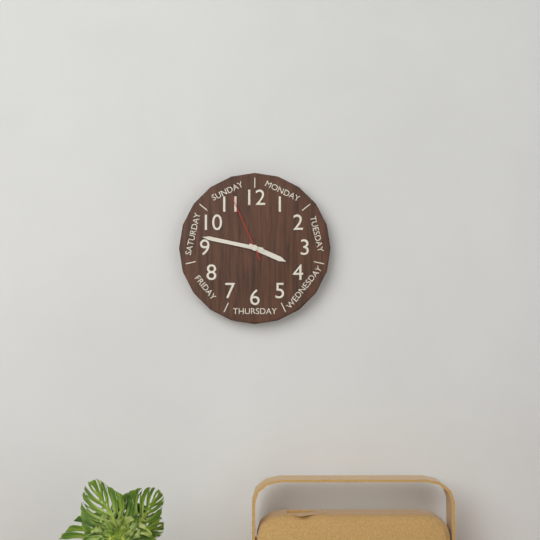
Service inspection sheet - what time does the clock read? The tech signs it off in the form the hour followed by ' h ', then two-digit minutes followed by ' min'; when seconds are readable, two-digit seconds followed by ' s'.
3 h 47 min 56 s
